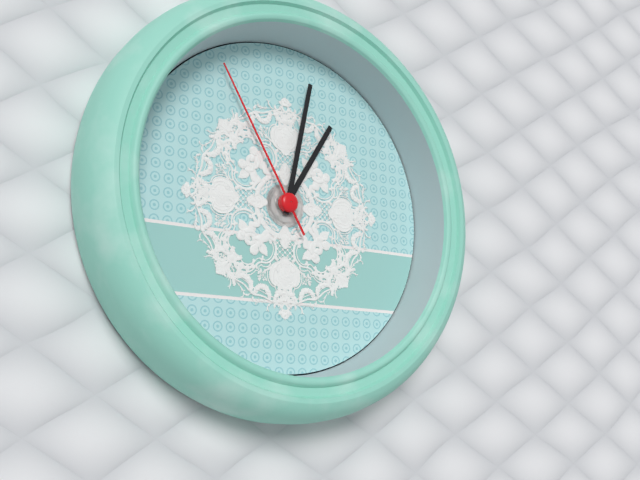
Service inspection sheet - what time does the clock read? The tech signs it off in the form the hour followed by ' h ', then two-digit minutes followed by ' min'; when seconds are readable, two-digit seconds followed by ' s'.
1 h 02 min 55 s
